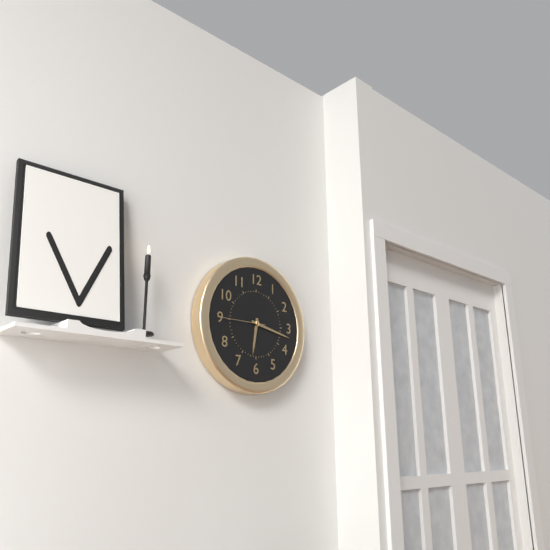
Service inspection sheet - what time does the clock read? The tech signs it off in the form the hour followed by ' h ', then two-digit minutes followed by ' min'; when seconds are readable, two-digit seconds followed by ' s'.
6 h 17 min
